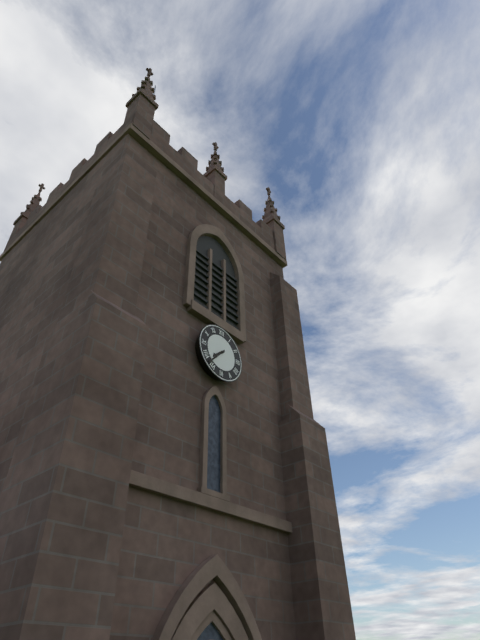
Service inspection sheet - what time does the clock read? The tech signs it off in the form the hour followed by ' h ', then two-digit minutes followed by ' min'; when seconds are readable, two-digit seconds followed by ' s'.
7 h 37 min
